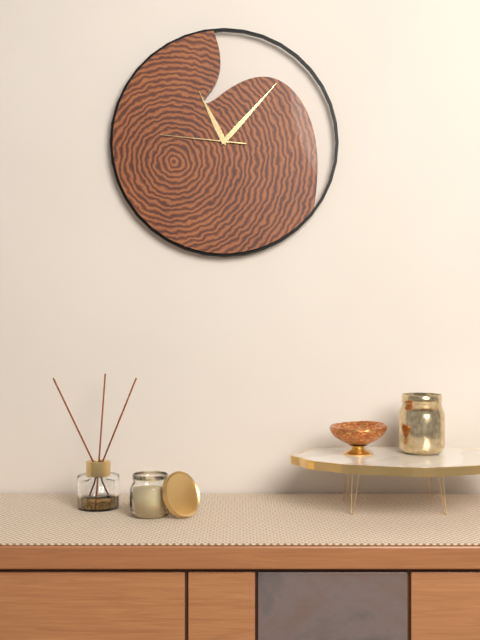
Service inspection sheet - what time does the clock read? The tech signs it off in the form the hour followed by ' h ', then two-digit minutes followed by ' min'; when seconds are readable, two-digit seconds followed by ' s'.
11 h 07 min 46 s
